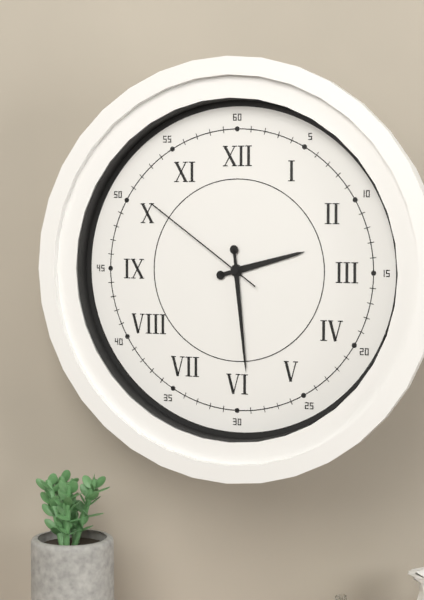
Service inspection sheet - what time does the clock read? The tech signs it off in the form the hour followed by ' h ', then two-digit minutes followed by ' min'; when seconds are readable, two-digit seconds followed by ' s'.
2 h 29 min 51 s
